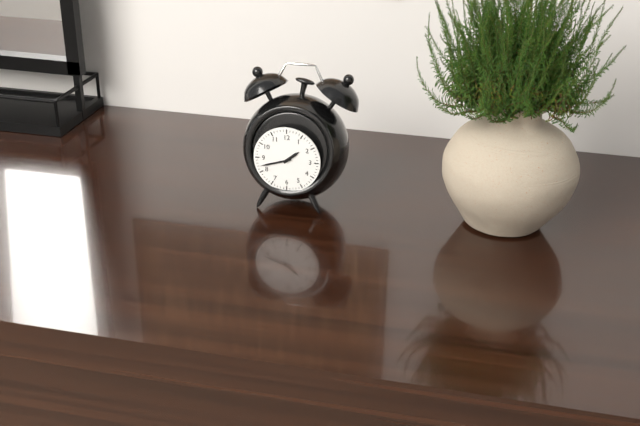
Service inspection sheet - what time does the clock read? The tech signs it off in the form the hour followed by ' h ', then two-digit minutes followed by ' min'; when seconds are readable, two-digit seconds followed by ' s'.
1 h 42 min
